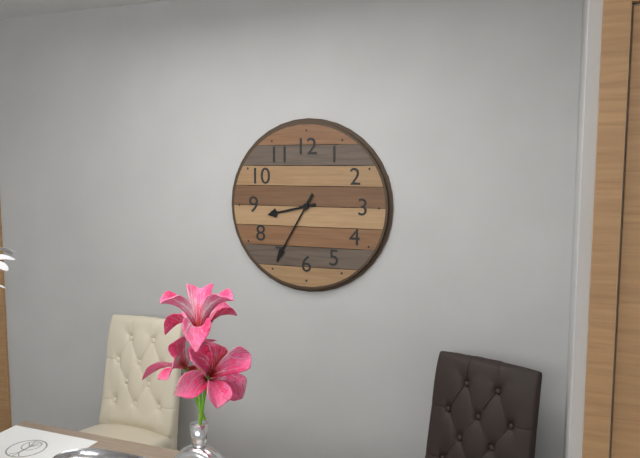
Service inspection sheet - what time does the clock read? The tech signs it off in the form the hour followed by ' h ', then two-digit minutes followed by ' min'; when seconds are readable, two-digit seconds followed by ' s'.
8 h 35 min
